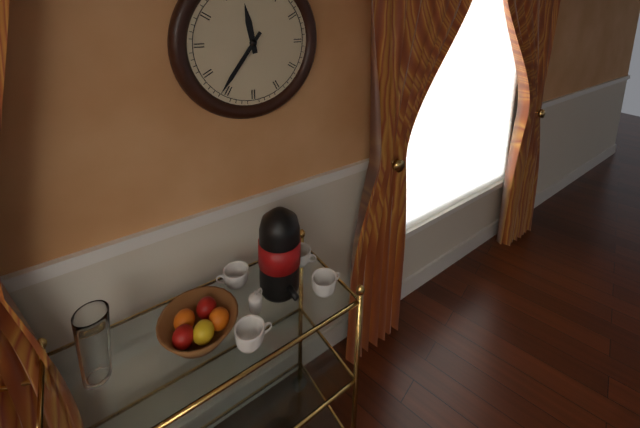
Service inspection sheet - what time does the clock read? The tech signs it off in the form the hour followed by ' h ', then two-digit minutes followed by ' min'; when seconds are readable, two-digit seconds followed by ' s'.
11 h 36 min
